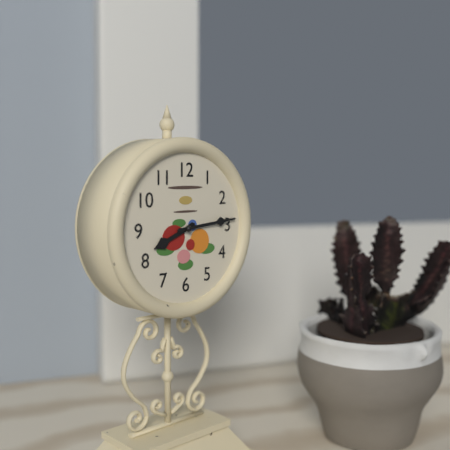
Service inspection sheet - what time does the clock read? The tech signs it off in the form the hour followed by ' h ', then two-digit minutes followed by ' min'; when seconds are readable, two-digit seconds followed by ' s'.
8 h 14 min
